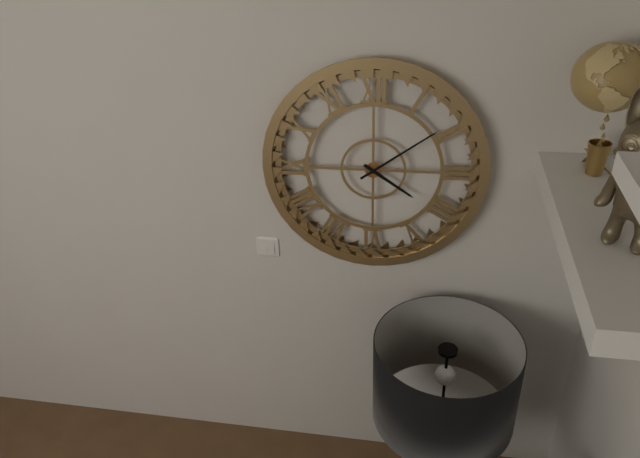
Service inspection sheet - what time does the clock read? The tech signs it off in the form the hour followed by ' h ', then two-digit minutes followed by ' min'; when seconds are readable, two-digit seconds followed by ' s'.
4 h 09 min
